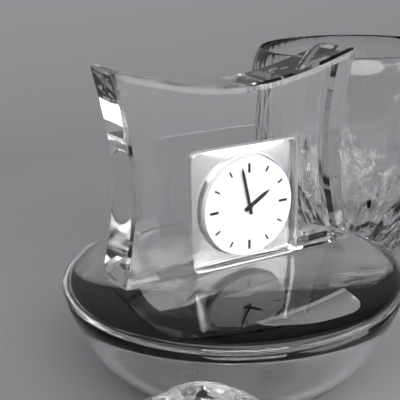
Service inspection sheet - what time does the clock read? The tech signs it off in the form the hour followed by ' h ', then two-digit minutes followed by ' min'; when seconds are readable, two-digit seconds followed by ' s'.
1 h 58 min
